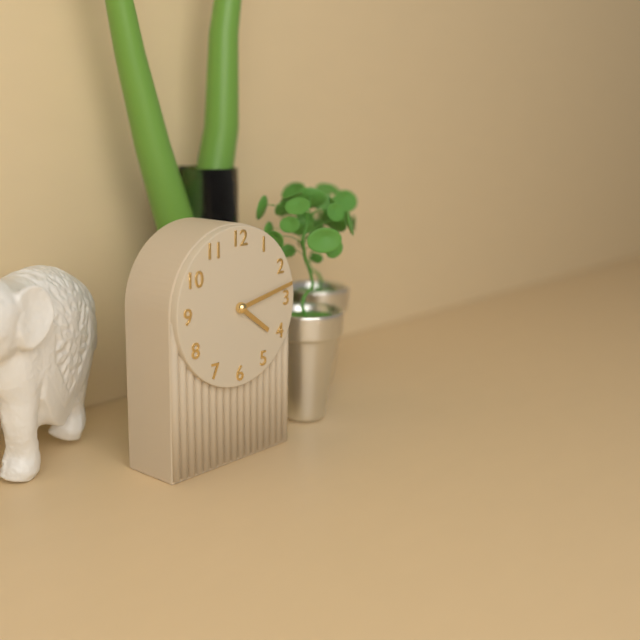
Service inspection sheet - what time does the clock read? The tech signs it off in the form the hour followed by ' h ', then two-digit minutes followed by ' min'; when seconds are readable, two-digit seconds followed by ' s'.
4 h 13 min
